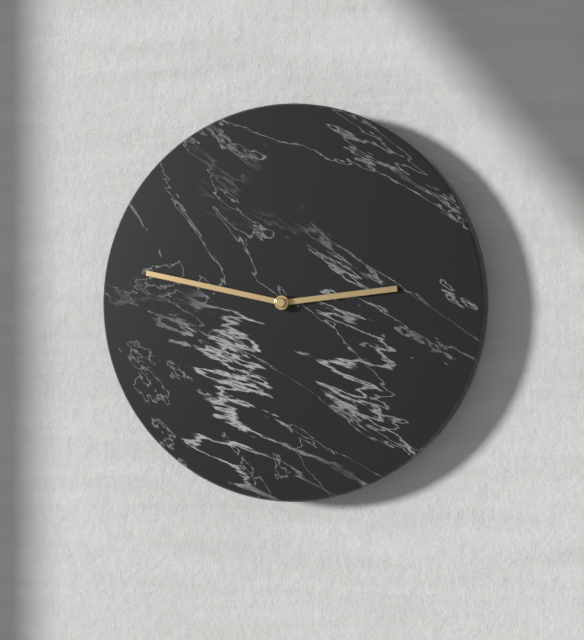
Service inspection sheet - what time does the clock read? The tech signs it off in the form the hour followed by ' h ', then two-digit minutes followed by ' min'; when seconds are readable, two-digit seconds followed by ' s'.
2 h 47 min
